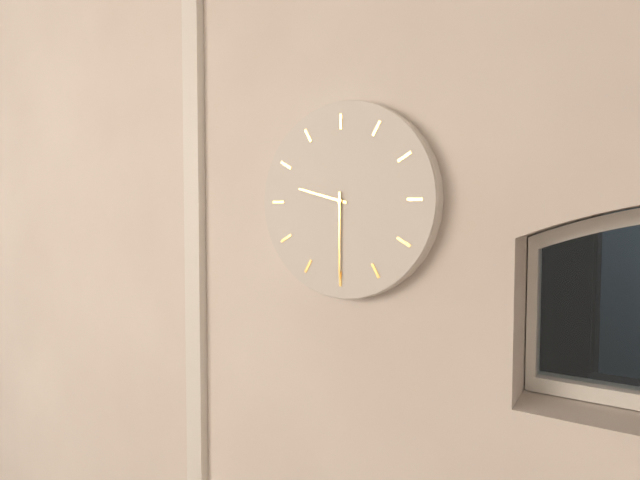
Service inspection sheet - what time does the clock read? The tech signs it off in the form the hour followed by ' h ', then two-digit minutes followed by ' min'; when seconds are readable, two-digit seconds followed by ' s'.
9 h 30 min
